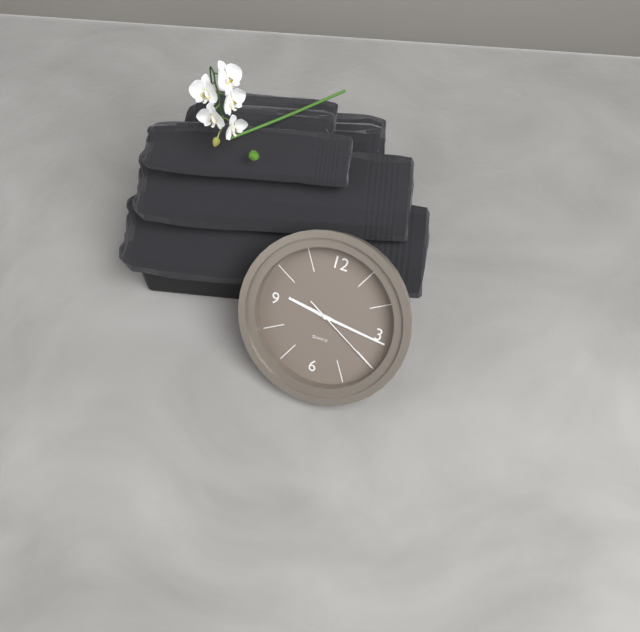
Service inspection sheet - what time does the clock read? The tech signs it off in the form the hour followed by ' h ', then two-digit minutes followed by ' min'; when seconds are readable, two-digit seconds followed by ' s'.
9 h 16 min 20 s
